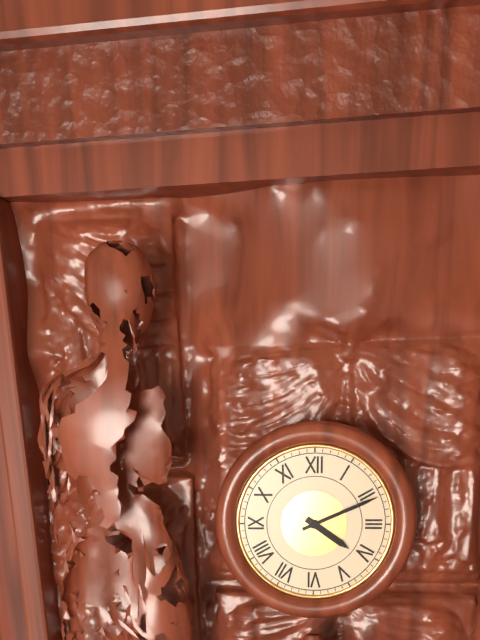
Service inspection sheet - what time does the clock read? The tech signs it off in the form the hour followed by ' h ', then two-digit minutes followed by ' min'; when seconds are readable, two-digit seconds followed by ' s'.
4 h 11 min
